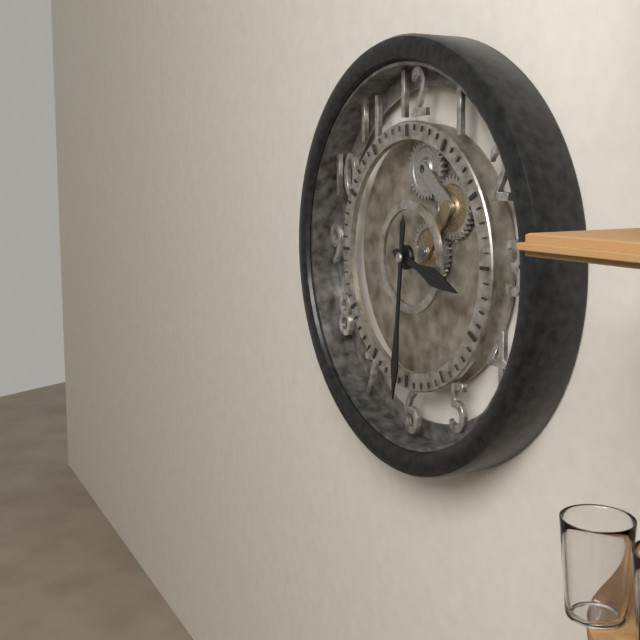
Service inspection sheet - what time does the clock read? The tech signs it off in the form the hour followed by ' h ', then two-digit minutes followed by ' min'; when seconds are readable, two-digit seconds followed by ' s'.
3 h 31 min
